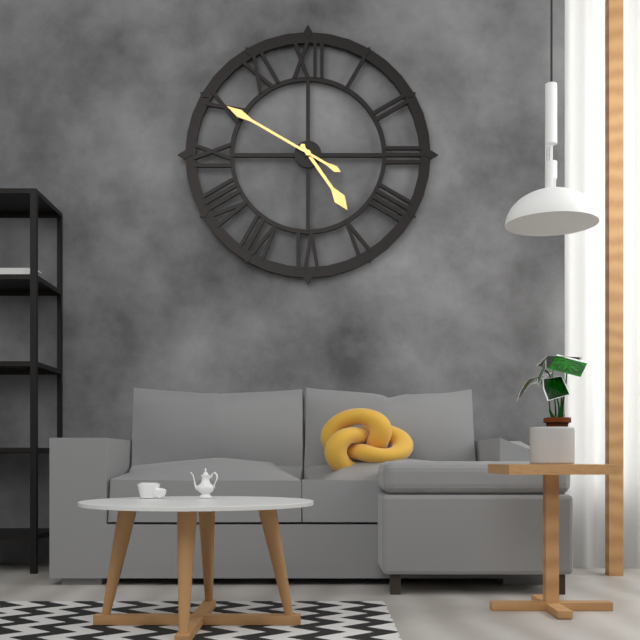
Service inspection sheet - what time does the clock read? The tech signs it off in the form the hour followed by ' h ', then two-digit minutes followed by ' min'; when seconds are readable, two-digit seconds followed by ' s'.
4 h 50 min
